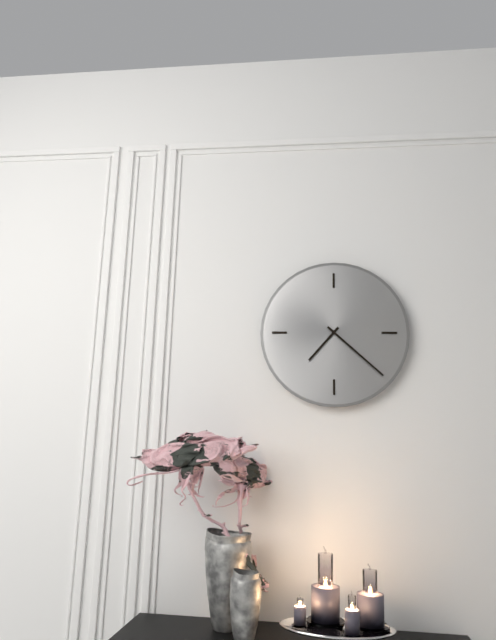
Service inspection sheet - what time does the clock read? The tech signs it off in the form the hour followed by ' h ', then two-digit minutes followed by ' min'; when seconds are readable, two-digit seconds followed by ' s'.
7 h 22 min
